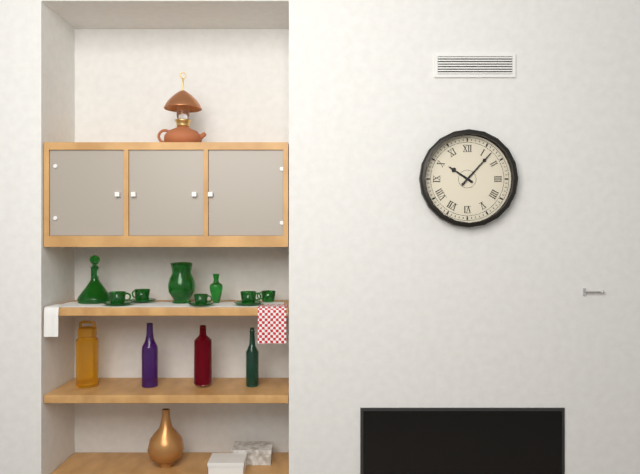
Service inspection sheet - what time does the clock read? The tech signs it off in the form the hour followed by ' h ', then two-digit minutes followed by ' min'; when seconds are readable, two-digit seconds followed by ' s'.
10 h 07 min
